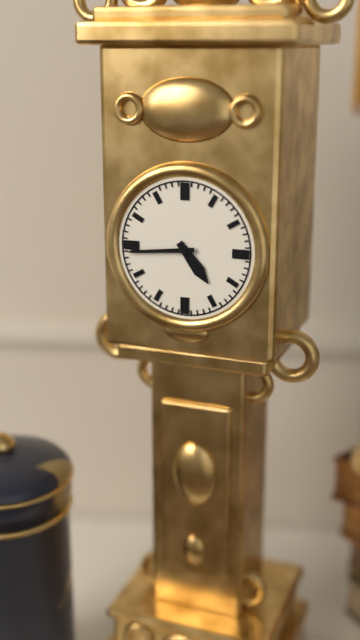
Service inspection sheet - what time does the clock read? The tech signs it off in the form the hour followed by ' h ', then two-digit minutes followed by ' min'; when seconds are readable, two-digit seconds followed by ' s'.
4 h 44 min
